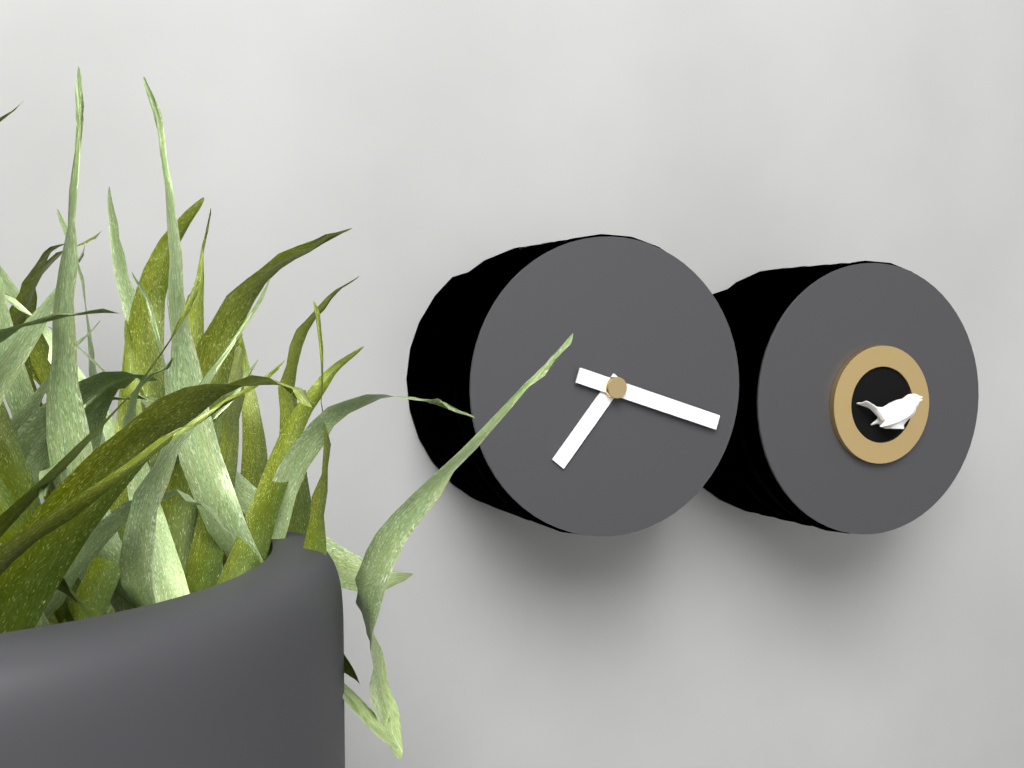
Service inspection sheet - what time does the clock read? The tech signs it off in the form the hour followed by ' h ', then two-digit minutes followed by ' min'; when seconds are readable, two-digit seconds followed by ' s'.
7 h 18 min
